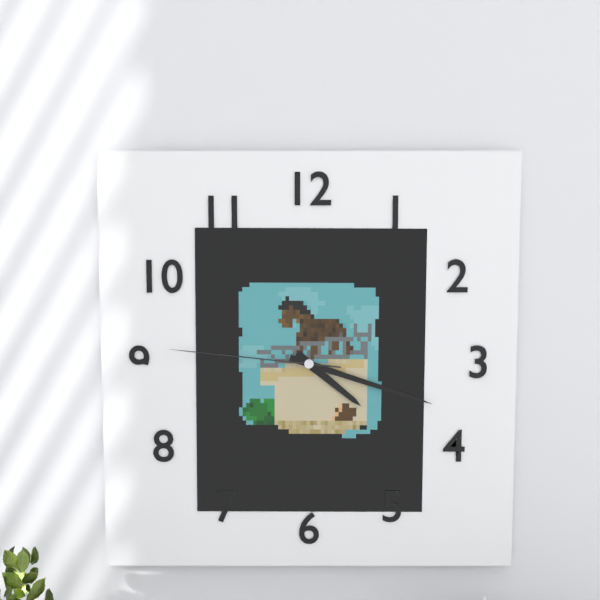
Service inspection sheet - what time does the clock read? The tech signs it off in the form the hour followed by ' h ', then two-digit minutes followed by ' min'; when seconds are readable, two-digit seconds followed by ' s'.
4 h 18 min 46 s
